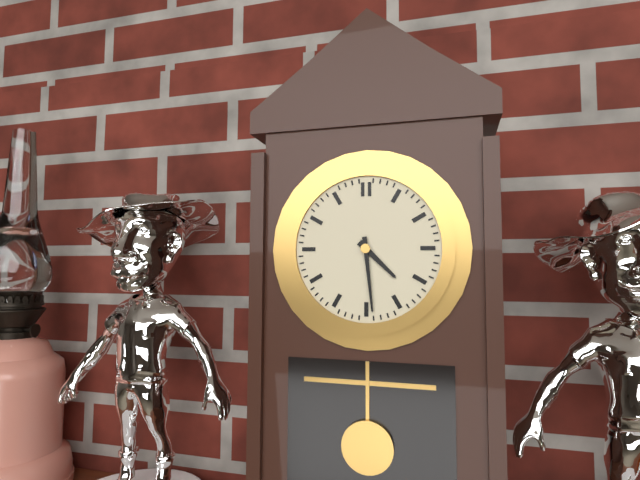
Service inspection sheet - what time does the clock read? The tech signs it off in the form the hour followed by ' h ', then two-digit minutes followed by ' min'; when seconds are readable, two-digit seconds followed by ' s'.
4 h 29 min
